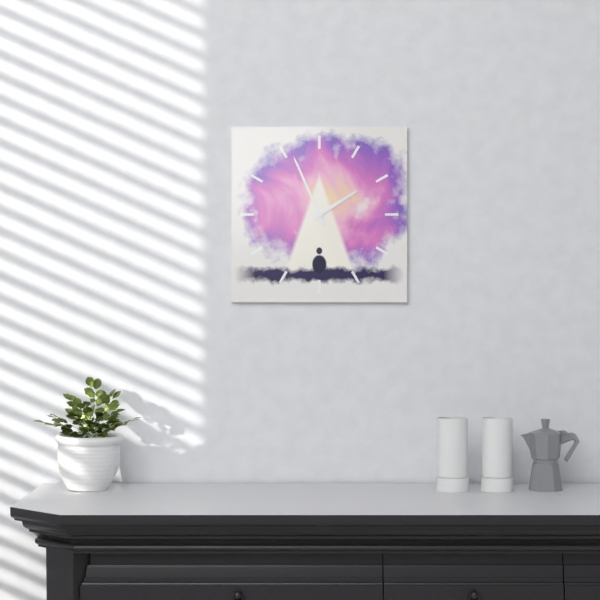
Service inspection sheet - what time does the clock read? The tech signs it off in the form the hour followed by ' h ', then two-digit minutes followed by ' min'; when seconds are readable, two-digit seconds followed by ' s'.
1 h 56 min
